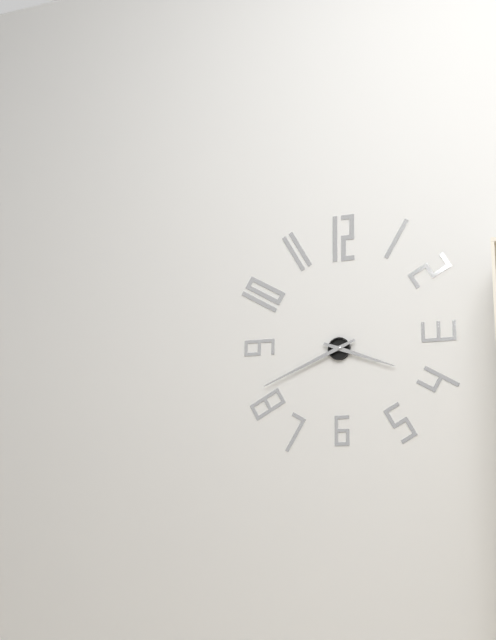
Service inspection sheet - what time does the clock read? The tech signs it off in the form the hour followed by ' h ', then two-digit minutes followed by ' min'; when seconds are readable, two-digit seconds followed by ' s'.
3 h 41 min
